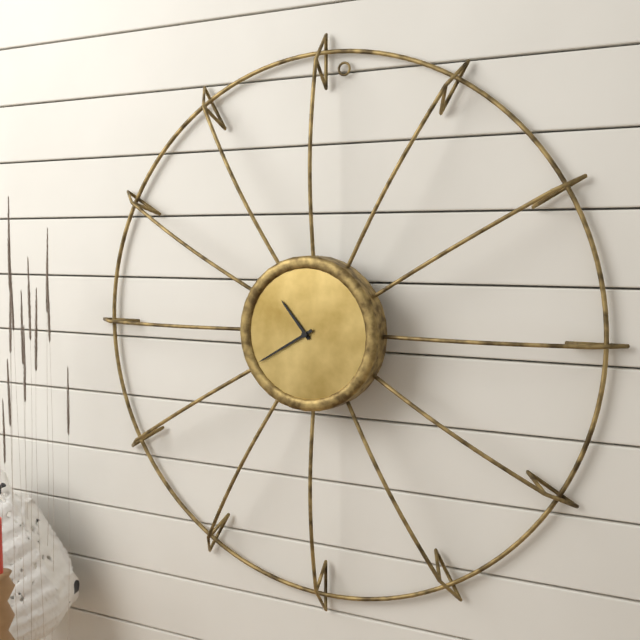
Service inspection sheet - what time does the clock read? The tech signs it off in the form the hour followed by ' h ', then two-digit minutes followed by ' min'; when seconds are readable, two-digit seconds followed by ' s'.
10 h 40 min
